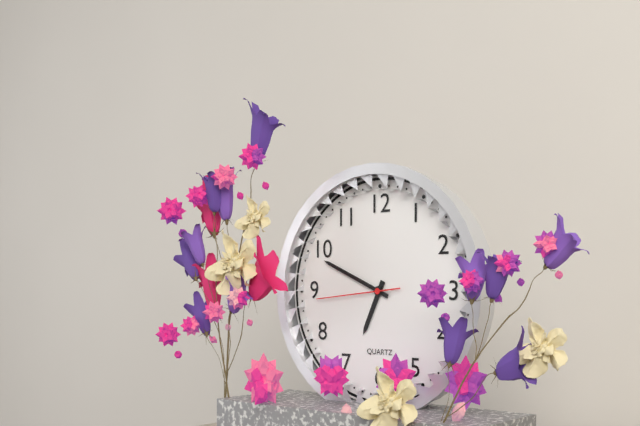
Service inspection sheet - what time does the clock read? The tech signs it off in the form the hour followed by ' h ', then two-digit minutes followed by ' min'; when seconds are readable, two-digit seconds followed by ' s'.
6 h 49 min 44 s
